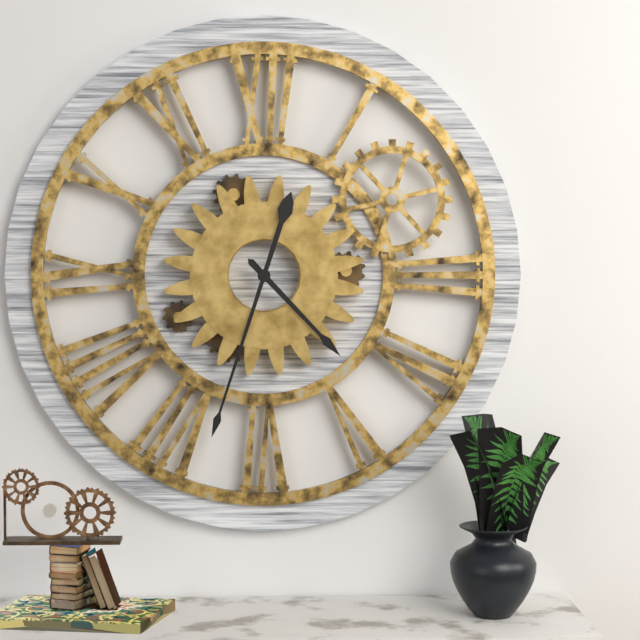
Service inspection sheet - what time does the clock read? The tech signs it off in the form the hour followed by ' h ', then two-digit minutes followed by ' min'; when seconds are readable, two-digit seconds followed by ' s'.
4 h 33 min
